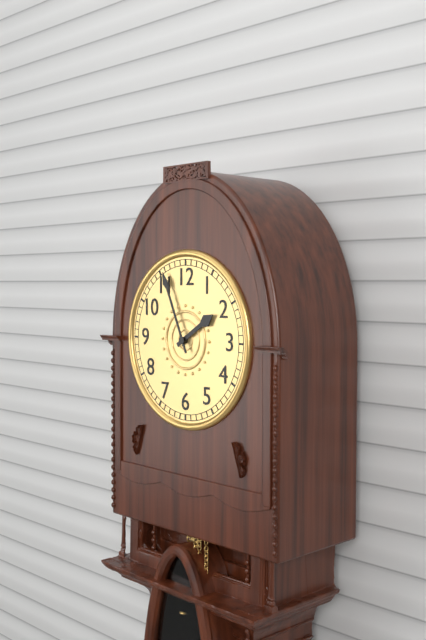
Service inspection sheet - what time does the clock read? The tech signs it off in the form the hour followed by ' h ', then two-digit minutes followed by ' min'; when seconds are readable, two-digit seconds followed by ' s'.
1 h 56 min
